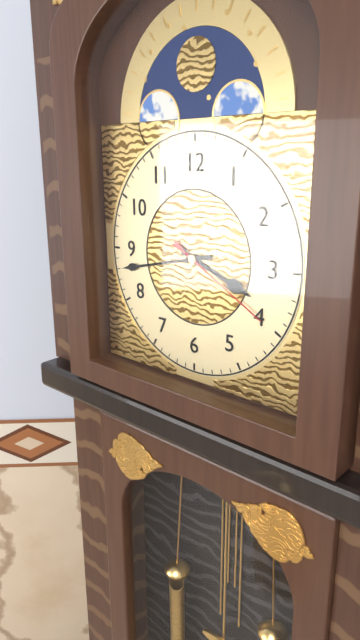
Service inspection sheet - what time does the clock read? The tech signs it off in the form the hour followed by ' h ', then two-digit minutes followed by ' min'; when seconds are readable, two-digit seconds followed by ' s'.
3 h 43 min 20 s
